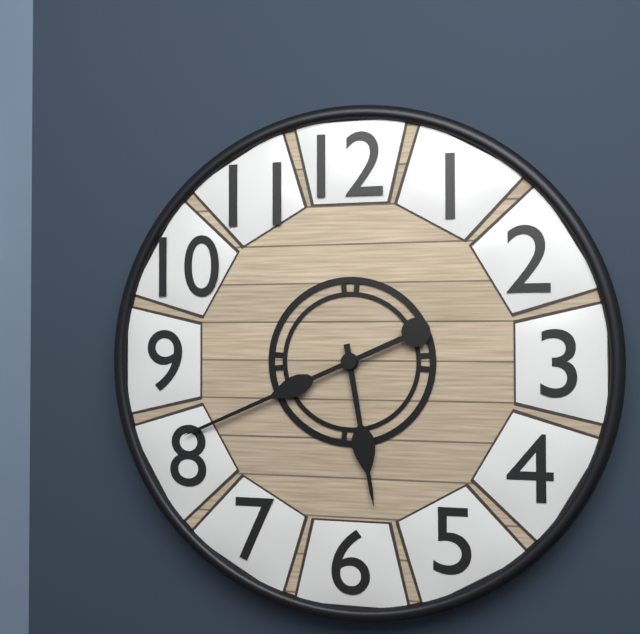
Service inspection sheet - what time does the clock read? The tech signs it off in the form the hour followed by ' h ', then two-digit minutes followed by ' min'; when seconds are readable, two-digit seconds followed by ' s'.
5 h 41 min
